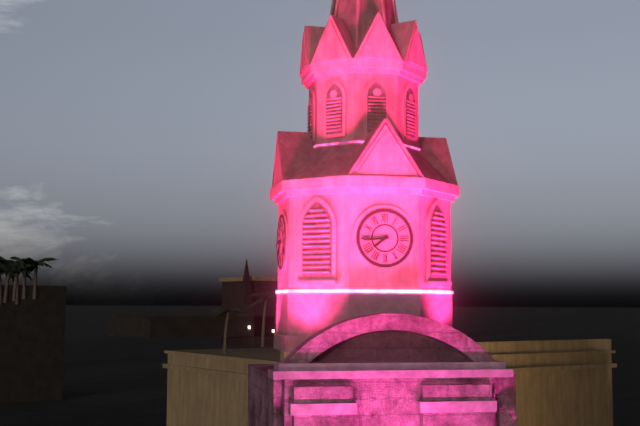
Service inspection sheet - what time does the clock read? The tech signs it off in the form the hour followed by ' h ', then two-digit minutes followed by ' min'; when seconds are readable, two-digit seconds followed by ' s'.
7 h 44 min
